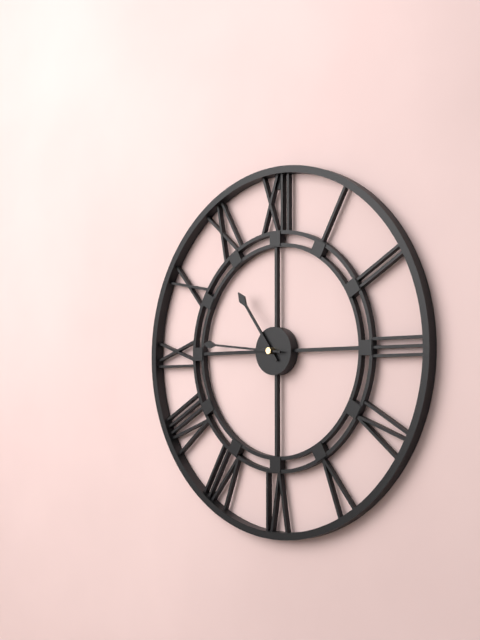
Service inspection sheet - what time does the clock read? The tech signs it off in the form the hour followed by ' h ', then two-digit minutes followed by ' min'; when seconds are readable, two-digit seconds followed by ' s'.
10 h 46 min
